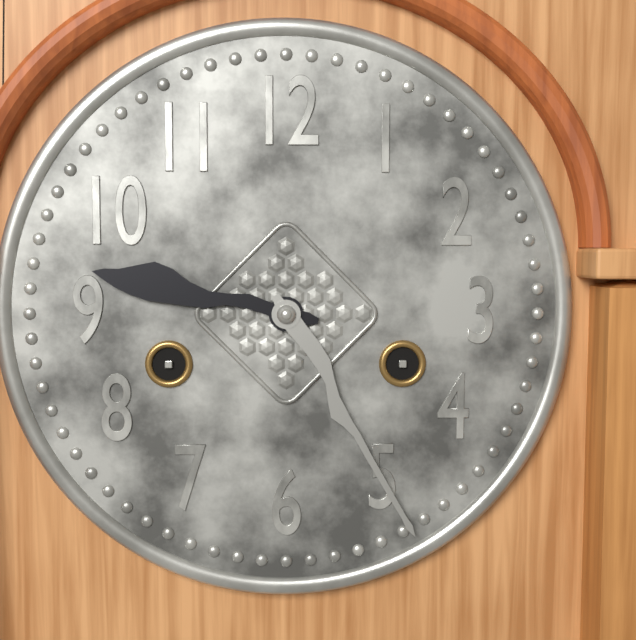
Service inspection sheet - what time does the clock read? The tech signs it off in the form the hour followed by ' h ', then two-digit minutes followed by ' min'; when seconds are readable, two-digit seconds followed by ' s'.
9 h 25 min
